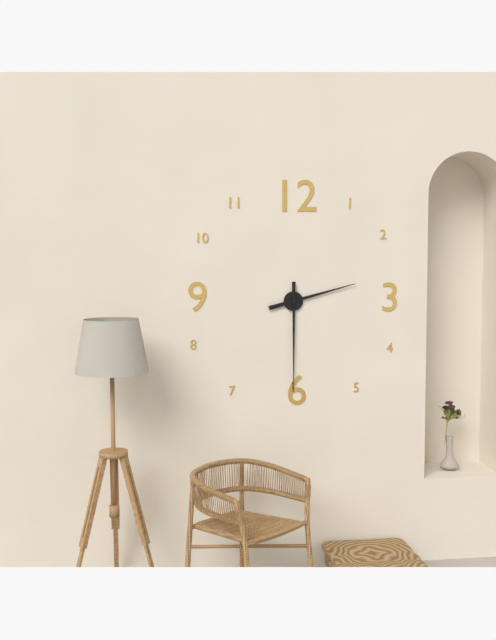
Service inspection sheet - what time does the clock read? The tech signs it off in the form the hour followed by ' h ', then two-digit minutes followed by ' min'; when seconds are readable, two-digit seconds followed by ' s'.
2 h 30 min
